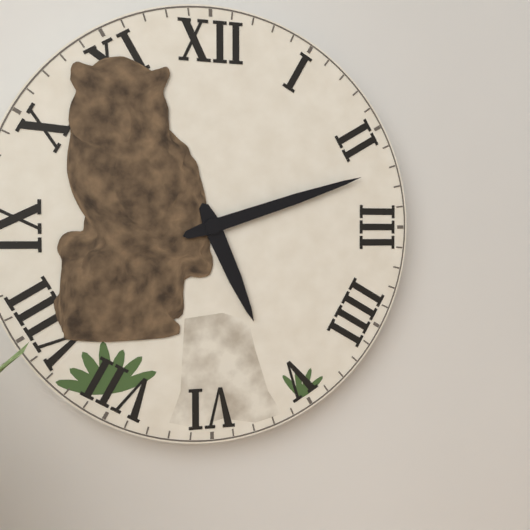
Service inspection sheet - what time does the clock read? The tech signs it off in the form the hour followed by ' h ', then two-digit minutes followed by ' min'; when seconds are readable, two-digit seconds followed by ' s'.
5 h 12 min
